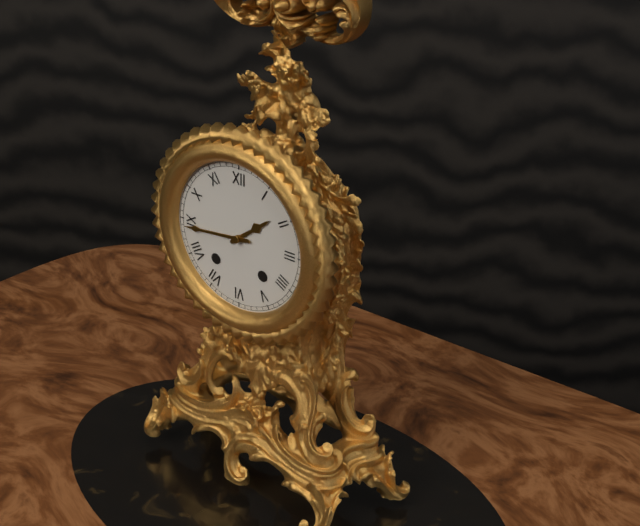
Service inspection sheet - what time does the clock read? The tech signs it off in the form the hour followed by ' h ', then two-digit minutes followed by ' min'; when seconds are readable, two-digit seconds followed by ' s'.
1 h 44 min
